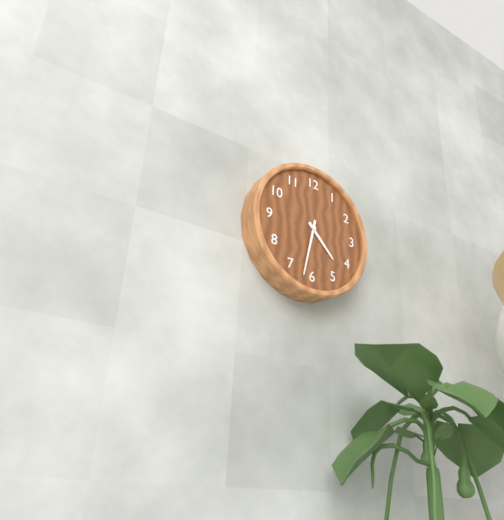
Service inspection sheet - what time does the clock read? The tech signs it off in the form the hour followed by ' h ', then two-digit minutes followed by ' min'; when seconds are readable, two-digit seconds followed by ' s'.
4 h 32 min
